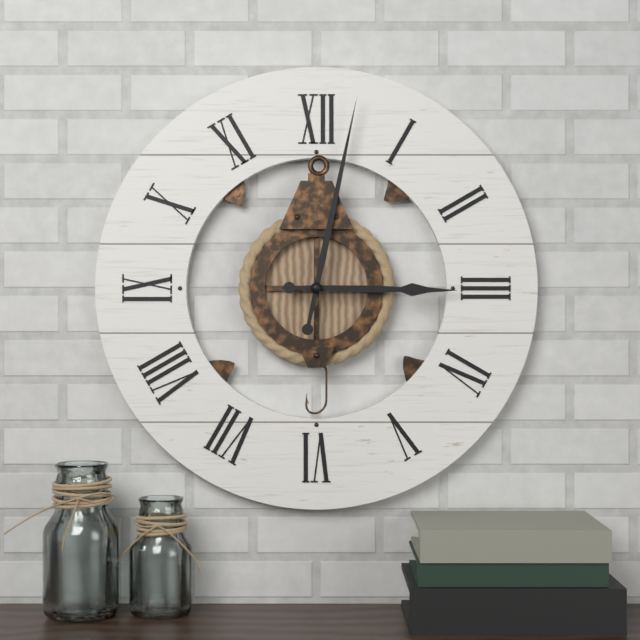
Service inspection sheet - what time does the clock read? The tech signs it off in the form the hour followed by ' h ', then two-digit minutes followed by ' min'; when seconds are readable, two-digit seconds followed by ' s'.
3 h 02 min
